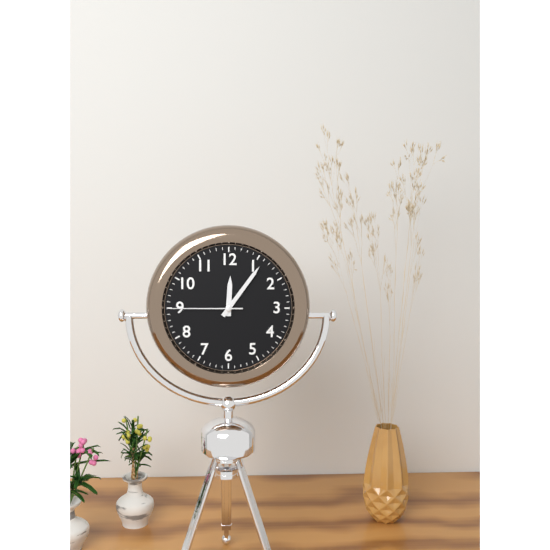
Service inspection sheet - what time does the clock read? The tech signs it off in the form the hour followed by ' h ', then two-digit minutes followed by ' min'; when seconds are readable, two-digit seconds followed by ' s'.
12 h 06 min 45 s
